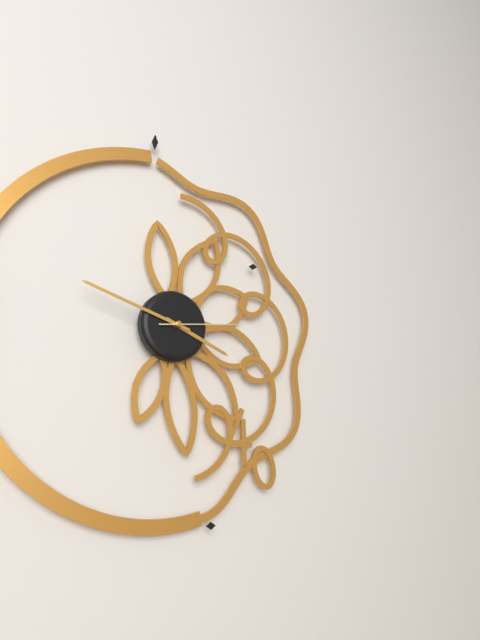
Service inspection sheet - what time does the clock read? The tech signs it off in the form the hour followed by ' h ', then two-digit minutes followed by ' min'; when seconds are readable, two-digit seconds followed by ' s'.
3 h 48 min 14 s
